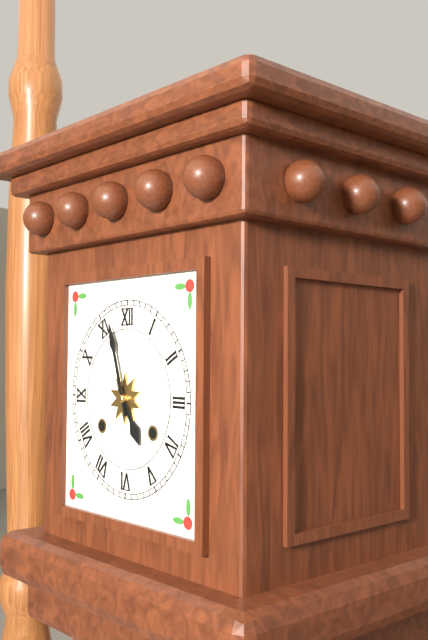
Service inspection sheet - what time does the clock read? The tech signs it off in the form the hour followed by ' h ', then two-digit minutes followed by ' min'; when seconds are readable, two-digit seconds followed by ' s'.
4 h 57 min
